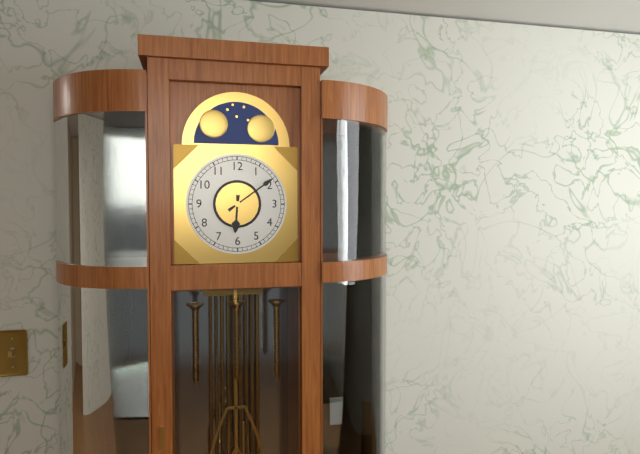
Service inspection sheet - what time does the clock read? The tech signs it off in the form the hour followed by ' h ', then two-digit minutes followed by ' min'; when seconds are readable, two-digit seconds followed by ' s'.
6 h 09 min
